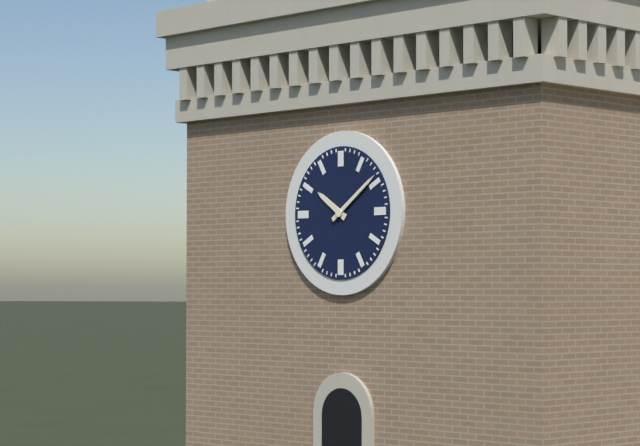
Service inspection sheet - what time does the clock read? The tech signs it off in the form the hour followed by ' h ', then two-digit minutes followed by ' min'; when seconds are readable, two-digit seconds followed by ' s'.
10 h 09 min
